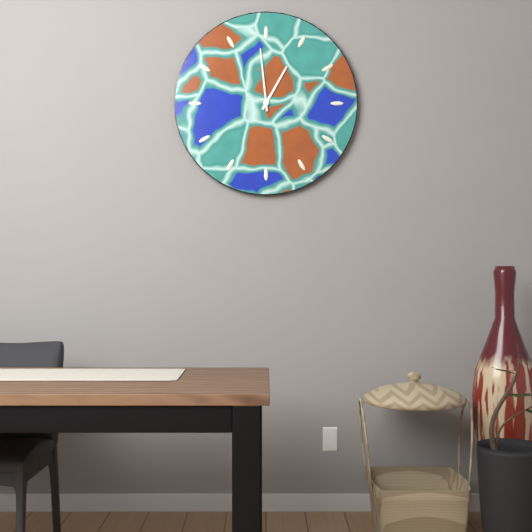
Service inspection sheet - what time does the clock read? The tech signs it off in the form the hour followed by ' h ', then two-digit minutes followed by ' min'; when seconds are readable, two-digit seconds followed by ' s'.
12 h 59 min
